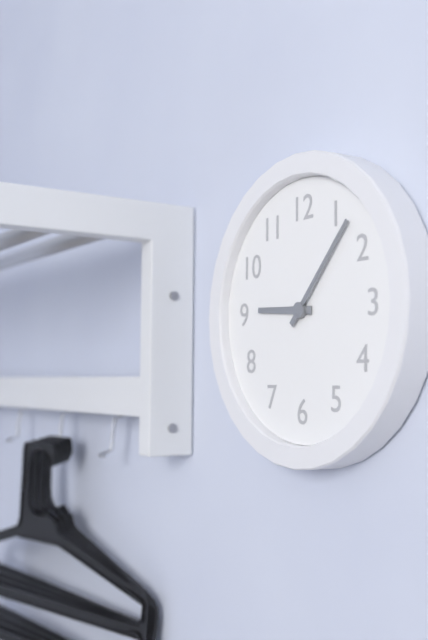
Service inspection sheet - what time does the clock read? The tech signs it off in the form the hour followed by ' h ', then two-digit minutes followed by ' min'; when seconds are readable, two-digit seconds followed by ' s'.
9 h 07 min
